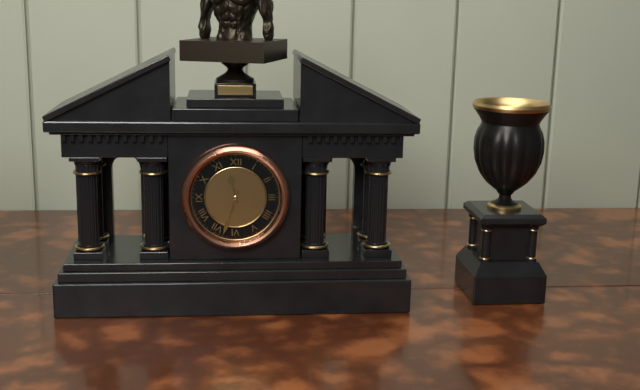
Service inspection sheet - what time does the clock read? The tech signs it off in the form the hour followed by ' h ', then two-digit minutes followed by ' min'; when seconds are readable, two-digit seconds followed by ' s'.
11 h 33 min
